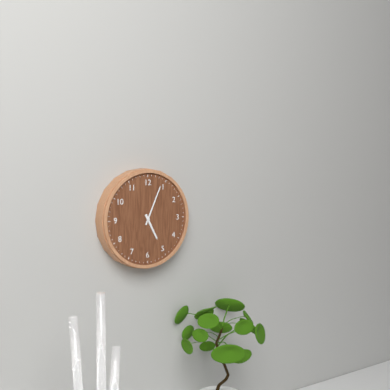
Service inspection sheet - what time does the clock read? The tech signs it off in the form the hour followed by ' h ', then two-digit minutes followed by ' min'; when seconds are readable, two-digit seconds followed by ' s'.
5 h 04 min
